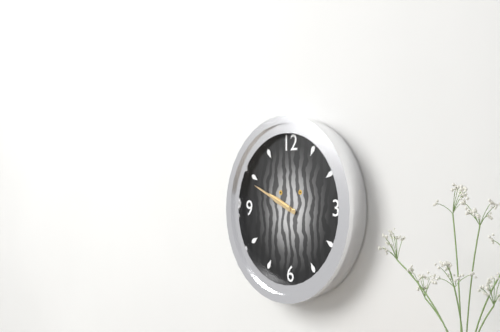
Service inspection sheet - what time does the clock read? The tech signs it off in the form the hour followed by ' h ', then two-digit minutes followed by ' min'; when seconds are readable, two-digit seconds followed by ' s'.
9 h 49 min
